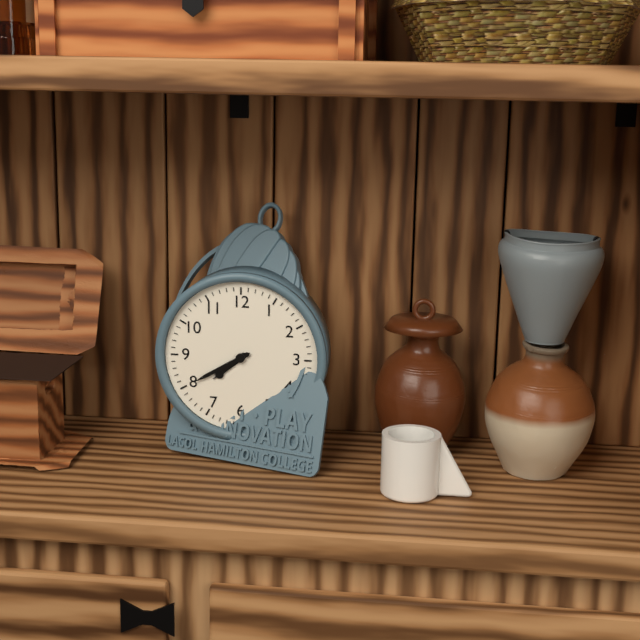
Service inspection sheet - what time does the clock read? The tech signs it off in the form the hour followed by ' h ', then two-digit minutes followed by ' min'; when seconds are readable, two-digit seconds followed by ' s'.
7 h 40 min
